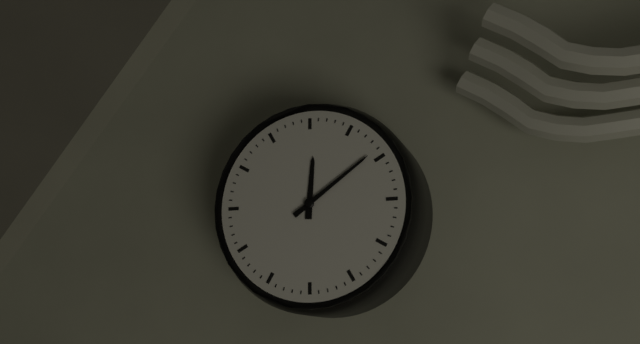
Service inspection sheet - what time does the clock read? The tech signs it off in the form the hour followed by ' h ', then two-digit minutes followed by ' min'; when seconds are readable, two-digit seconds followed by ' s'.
12 h 09 min
